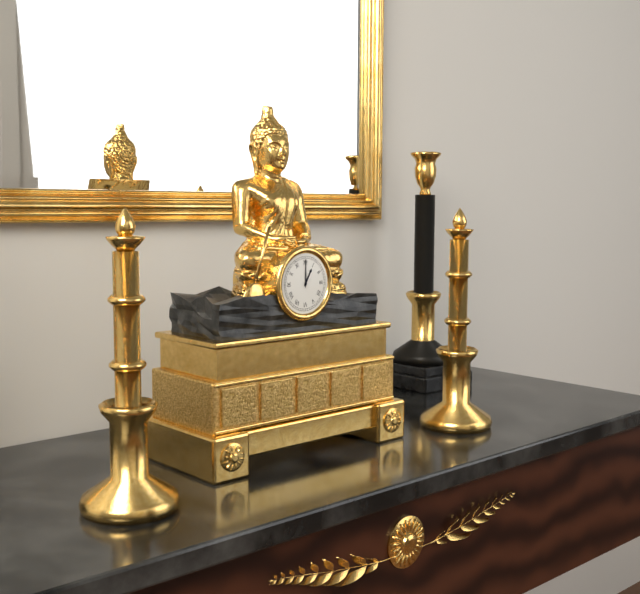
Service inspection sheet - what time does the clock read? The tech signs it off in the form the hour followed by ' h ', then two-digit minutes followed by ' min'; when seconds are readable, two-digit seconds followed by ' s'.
1 h 00 min
